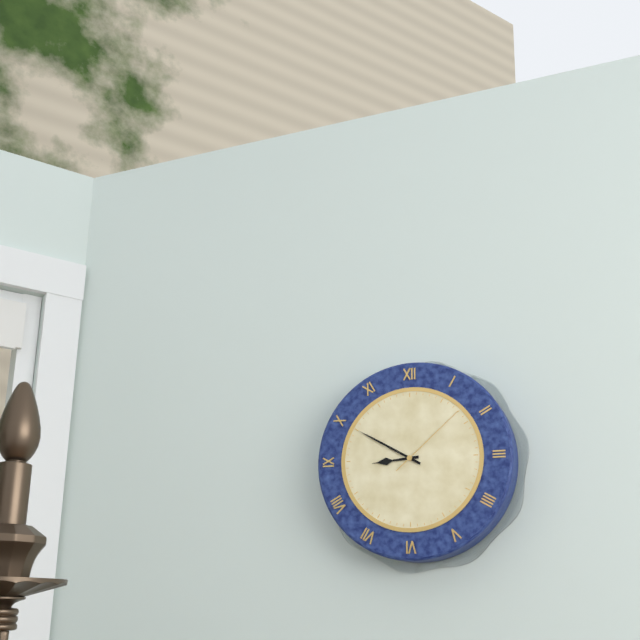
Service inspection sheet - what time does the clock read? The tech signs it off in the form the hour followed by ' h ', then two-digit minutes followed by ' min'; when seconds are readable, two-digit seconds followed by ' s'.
8 h 50 min 08 s
